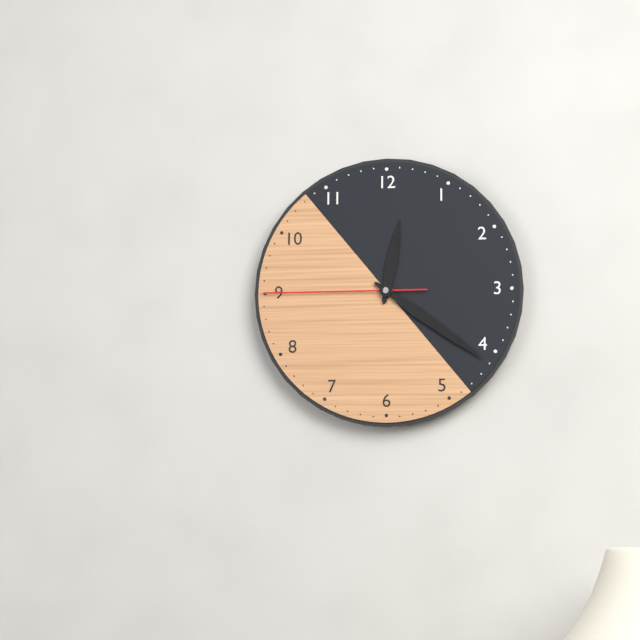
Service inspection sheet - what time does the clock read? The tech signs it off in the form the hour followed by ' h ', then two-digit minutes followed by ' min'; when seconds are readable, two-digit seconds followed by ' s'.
12 h 21 min 45 s
